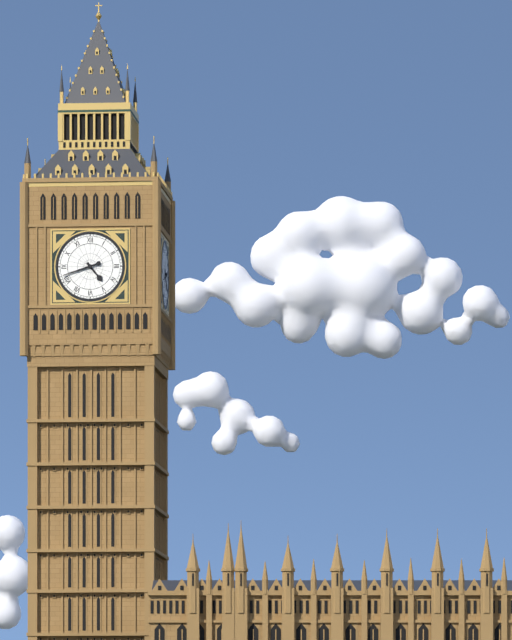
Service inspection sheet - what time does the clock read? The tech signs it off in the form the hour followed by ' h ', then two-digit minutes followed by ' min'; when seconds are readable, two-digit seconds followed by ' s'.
4 h 42 min
